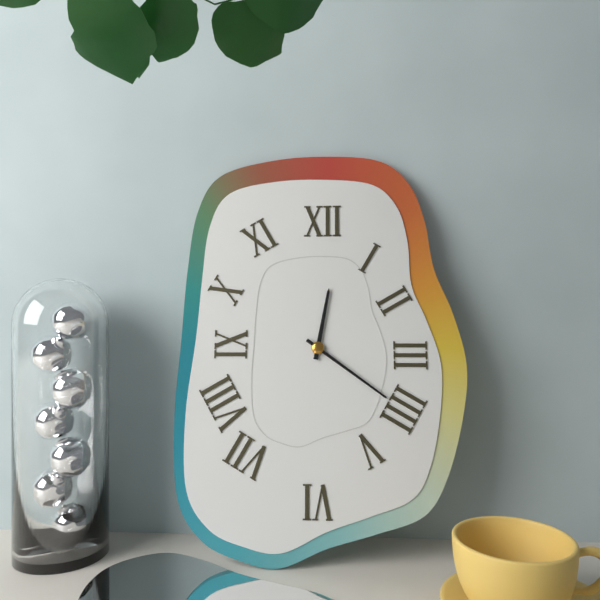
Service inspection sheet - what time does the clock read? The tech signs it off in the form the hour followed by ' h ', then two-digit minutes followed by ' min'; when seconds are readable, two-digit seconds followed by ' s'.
12 h 21 min
